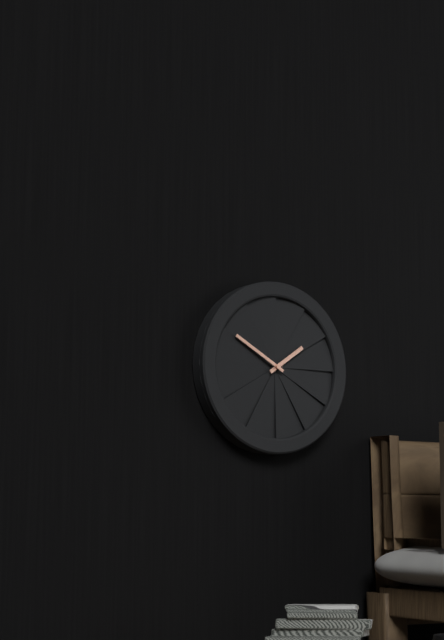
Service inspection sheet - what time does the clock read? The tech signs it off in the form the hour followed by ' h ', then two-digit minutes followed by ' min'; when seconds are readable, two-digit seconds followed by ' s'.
1 h 50 min
